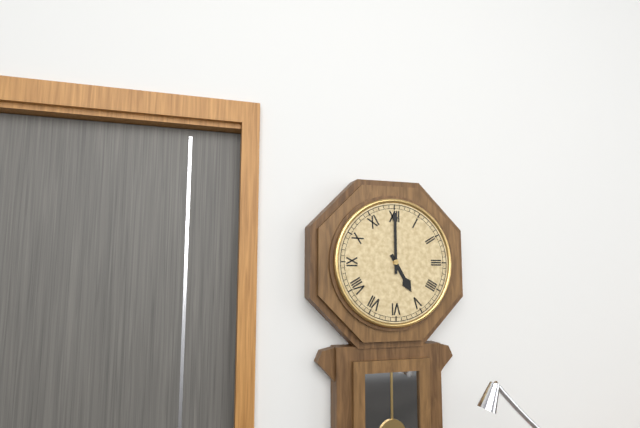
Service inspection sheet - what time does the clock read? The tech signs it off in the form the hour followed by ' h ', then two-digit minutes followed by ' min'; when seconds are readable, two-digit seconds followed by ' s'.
5 h 00 min
